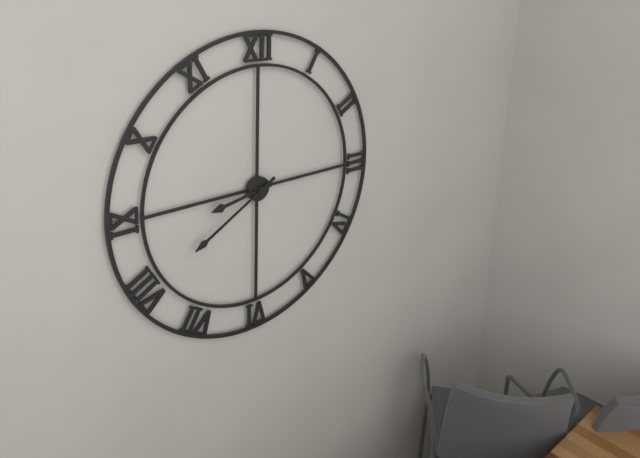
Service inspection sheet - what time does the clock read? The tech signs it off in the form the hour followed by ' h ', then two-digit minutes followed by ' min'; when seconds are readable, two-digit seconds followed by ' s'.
8 h 40 min
